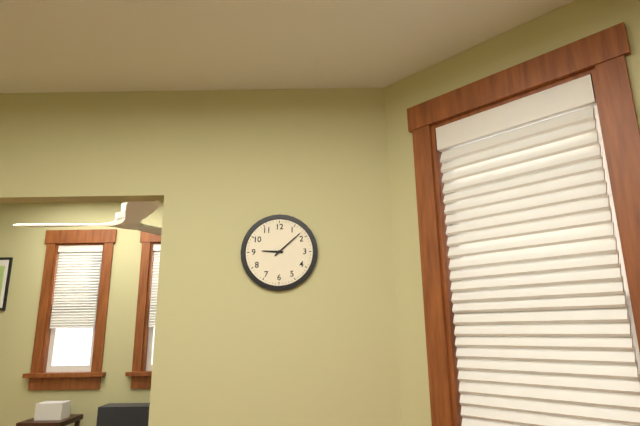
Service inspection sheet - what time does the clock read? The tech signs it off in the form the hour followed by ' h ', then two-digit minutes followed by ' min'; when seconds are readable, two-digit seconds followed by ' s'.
9 h 08 min
